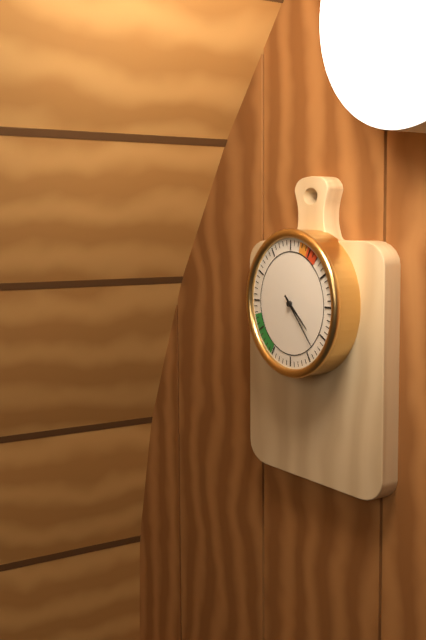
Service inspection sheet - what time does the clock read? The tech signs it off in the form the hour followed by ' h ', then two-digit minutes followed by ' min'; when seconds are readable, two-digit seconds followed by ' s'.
4 h 23 min
